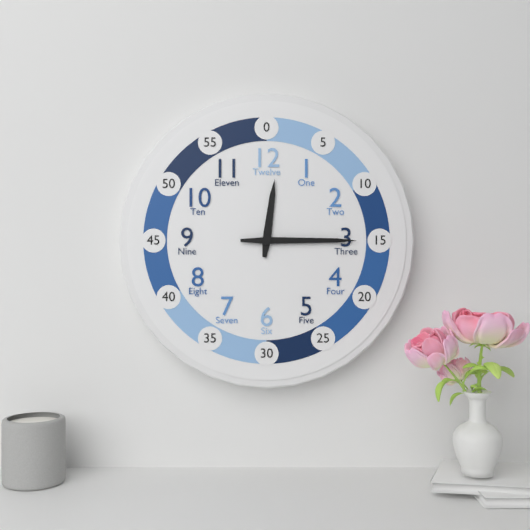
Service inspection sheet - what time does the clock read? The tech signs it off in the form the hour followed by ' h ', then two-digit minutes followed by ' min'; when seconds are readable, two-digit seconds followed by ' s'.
12 h 15 min
